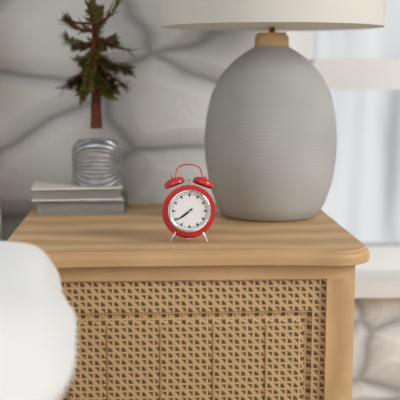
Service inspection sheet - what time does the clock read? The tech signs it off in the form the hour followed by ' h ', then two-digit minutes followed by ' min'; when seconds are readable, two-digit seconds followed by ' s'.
7 h 39 min
